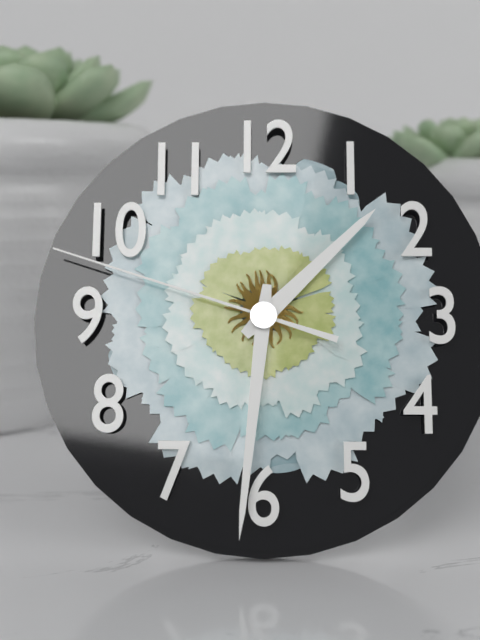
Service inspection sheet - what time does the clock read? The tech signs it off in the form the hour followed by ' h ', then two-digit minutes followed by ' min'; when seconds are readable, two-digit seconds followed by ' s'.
1 h 31 min 48 s
